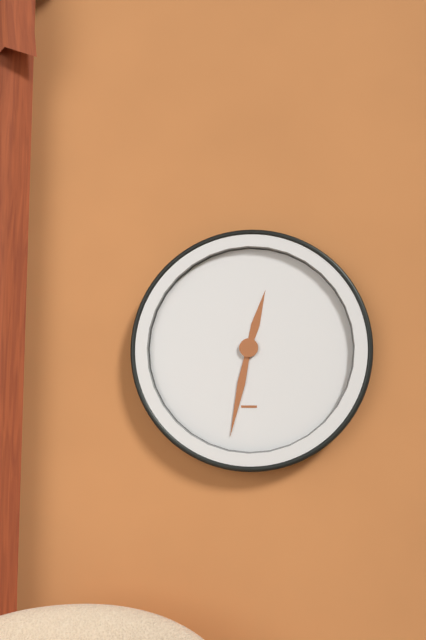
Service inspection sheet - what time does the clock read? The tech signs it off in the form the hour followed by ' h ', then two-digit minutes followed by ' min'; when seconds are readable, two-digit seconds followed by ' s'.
12 h 32 min
